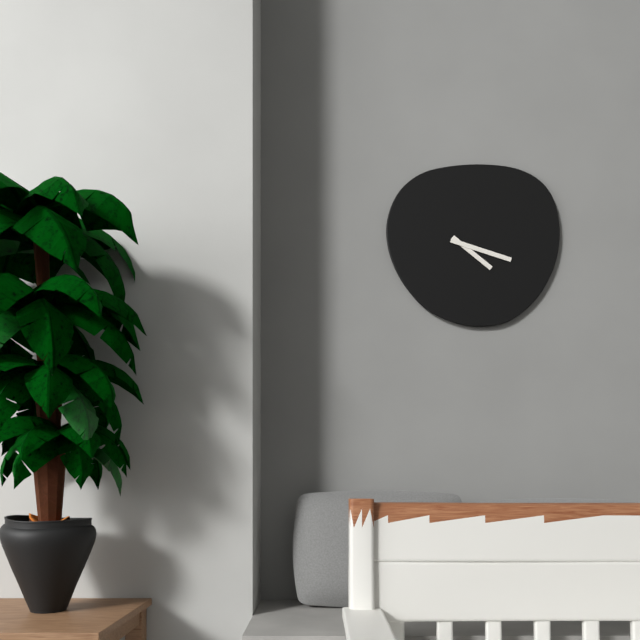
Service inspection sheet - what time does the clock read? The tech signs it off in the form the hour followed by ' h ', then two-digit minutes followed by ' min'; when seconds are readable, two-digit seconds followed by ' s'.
4 h 18 min
